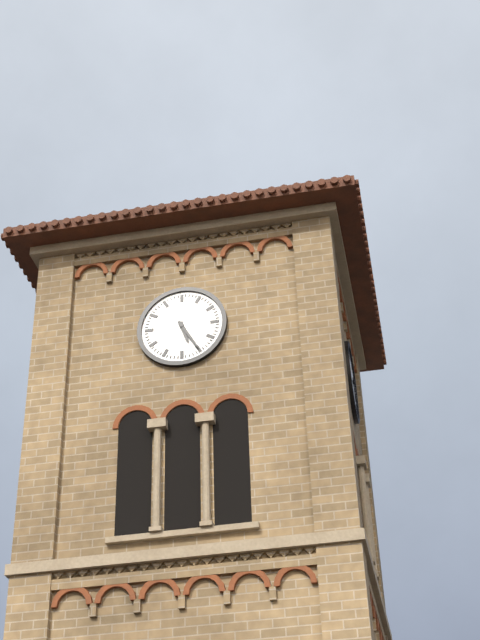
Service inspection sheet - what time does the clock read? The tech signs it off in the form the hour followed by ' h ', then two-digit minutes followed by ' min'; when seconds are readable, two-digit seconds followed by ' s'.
5 h 25 min
